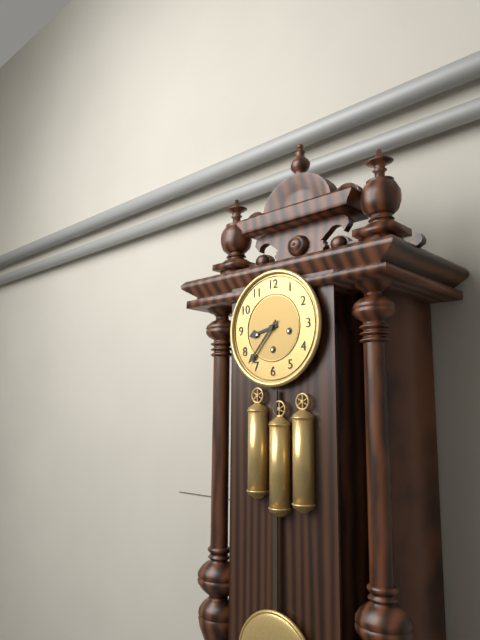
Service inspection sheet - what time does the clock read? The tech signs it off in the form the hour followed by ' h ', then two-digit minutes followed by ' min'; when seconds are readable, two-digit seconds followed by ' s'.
8 h 37 min
